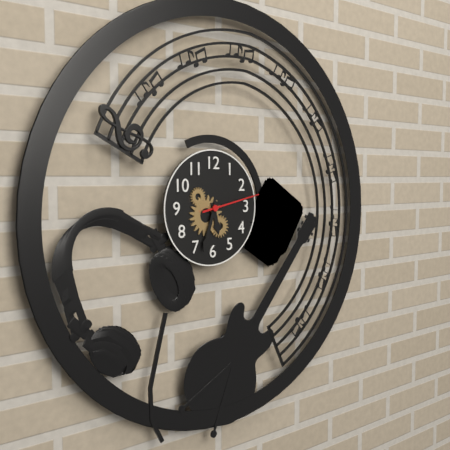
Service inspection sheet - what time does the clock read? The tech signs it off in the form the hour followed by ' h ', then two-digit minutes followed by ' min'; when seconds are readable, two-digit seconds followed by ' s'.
5 h 33 min 13 s
